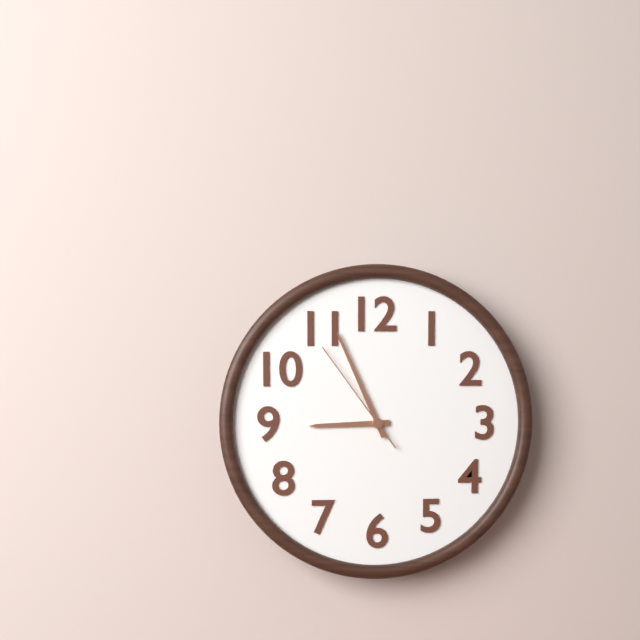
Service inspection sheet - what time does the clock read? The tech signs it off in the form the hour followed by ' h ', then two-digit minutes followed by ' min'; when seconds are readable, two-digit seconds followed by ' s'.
8 h 56 min 54 s
